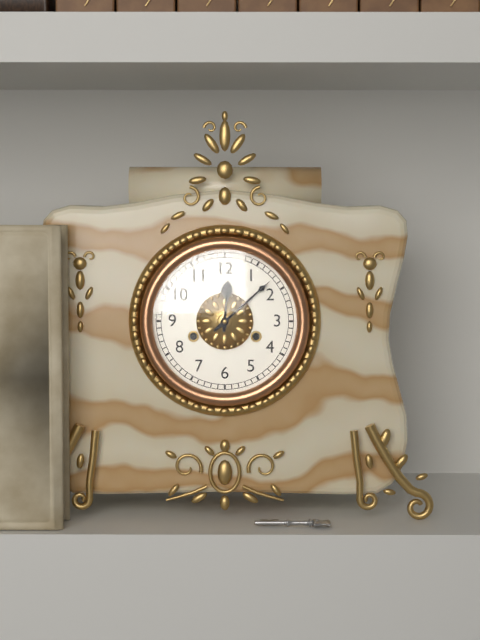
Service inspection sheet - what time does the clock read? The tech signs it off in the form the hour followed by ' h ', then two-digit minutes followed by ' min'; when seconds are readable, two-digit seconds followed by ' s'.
12 h 08 min
